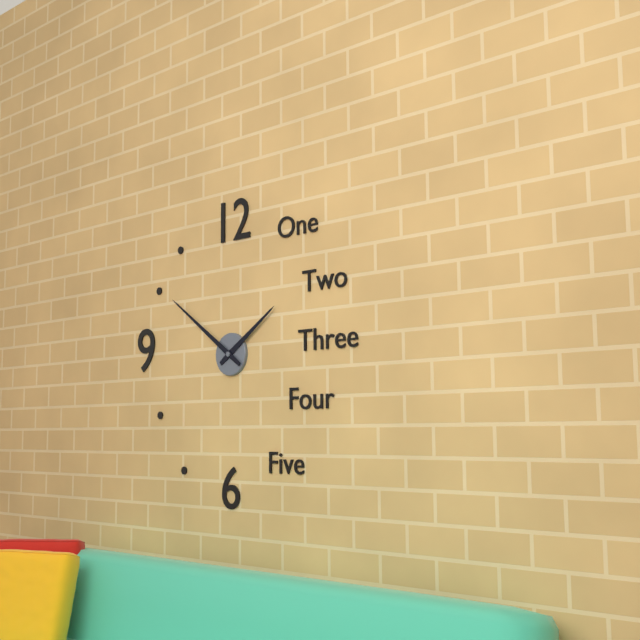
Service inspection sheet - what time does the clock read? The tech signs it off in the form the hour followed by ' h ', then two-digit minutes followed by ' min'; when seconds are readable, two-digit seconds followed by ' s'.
1 h 51 min
